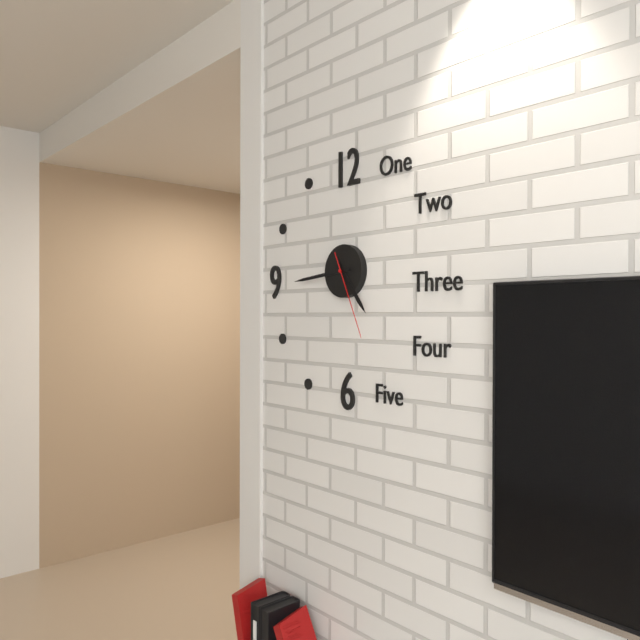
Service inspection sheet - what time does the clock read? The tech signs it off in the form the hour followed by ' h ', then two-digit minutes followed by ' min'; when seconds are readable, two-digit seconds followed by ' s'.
4 h 44 min 26 s
